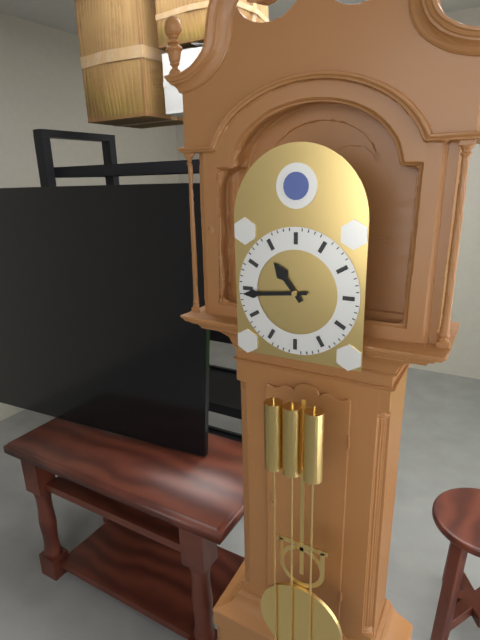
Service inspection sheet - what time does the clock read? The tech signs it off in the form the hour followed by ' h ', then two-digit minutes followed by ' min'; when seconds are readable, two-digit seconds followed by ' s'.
10 h 44 min
